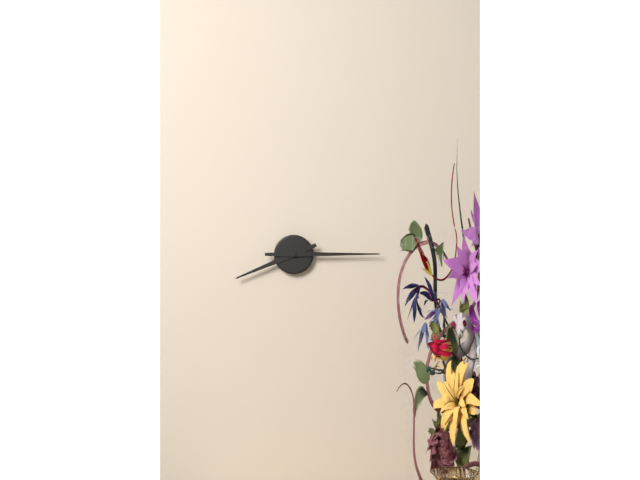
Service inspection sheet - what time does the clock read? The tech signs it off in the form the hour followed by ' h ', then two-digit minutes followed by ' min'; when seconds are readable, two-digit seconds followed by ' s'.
8 h 15 min
